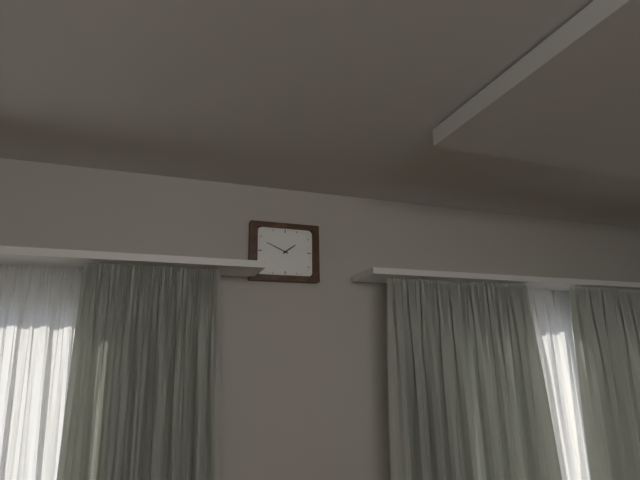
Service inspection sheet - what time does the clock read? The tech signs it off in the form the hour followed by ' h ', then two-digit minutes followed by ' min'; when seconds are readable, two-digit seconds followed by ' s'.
1 h 49 min
